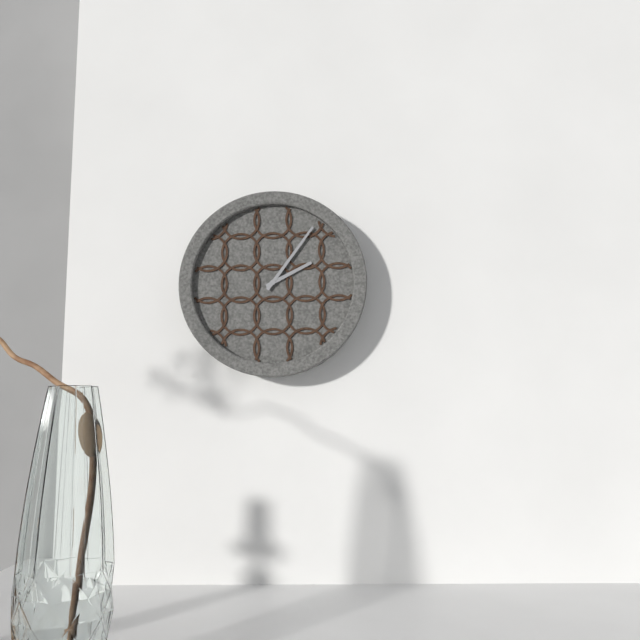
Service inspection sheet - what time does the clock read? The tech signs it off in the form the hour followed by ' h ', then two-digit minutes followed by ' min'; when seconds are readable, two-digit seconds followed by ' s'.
2 h 06 min
